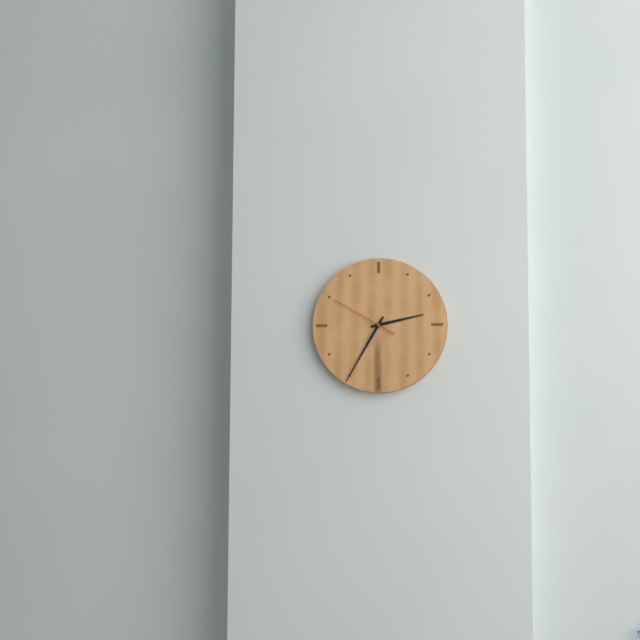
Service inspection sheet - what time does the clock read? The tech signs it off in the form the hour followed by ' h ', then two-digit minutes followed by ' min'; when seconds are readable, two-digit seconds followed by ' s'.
2 h 35 min 50 s
